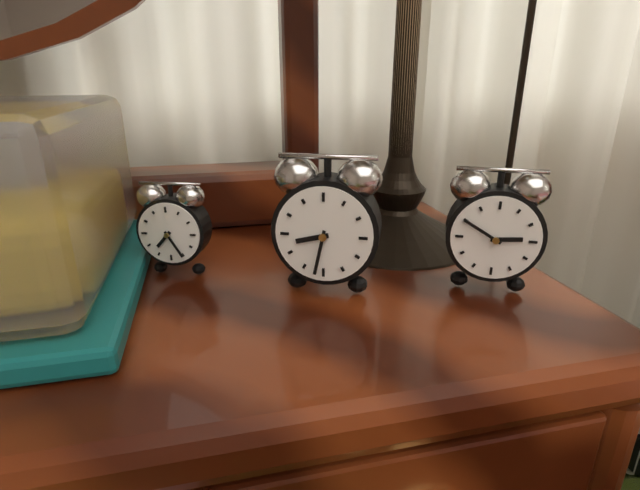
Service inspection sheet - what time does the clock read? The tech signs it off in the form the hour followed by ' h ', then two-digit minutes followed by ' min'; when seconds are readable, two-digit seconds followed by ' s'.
8 h 32 min
